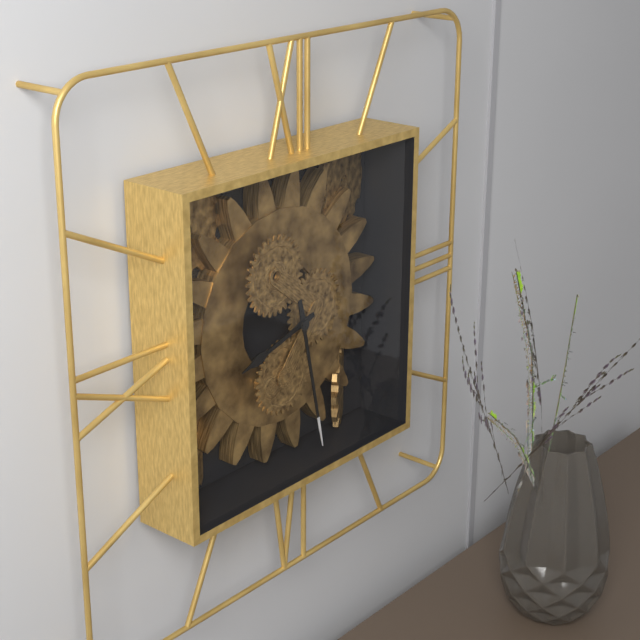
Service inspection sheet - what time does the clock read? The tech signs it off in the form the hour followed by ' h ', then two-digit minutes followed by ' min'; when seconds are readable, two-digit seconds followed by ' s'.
8 h 28 min
